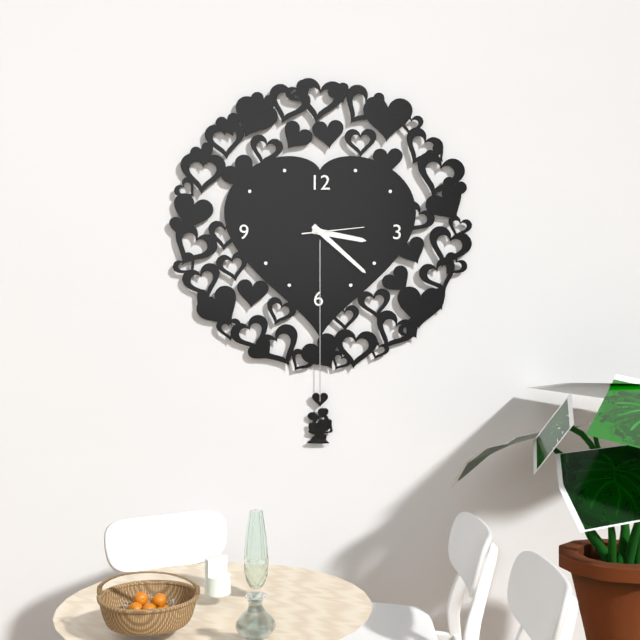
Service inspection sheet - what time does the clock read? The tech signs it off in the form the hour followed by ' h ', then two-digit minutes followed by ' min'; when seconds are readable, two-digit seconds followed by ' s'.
3 h 22 min 14 s
